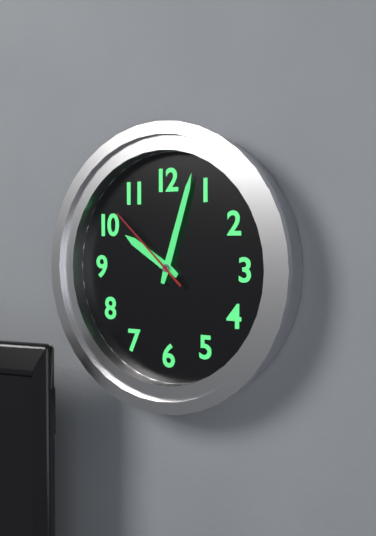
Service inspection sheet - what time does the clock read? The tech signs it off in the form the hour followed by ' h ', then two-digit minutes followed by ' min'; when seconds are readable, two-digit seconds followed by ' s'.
10 h 03 min 52 s
